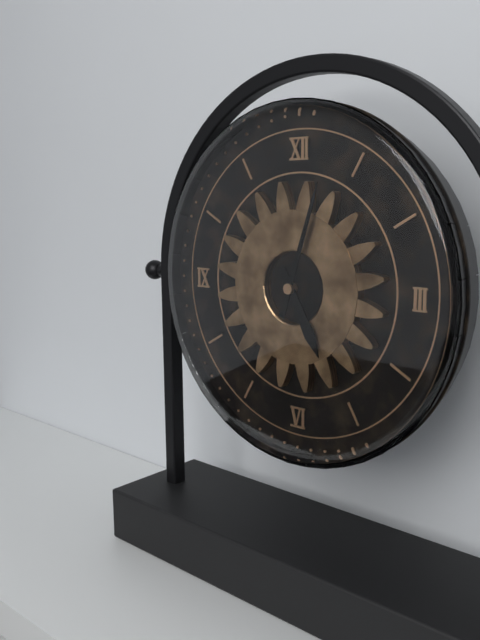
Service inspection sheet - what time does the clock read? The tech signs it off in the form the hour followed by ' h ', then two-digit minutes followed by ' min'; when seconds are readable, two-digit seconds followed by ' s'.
5 h 03 min
